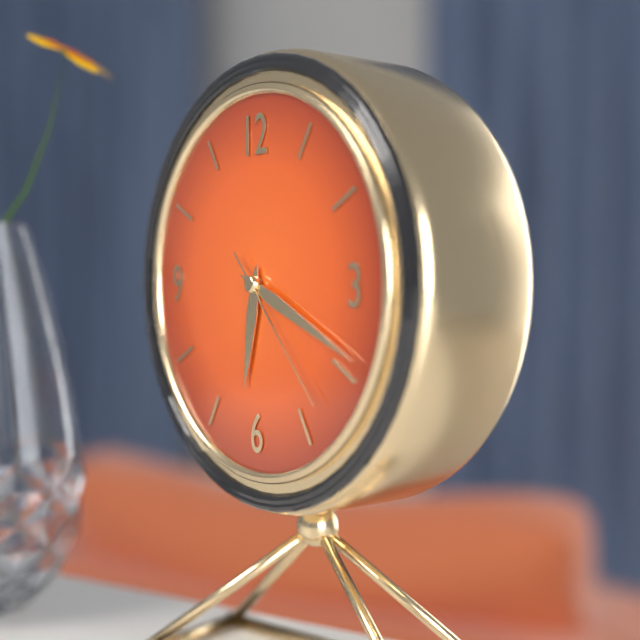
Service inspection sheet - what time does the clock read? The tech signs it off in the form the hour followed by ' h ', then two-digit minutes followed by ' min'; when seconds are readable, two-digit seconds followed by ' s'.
6 h 19 min 23 s
